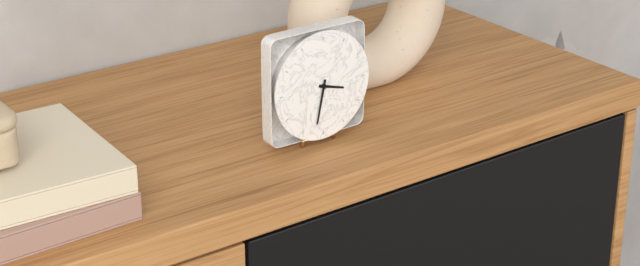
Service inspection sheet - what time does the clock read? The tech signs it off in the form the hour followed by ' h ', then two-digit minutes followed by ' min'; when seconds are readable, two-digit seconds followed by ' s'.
3 h 32 min
